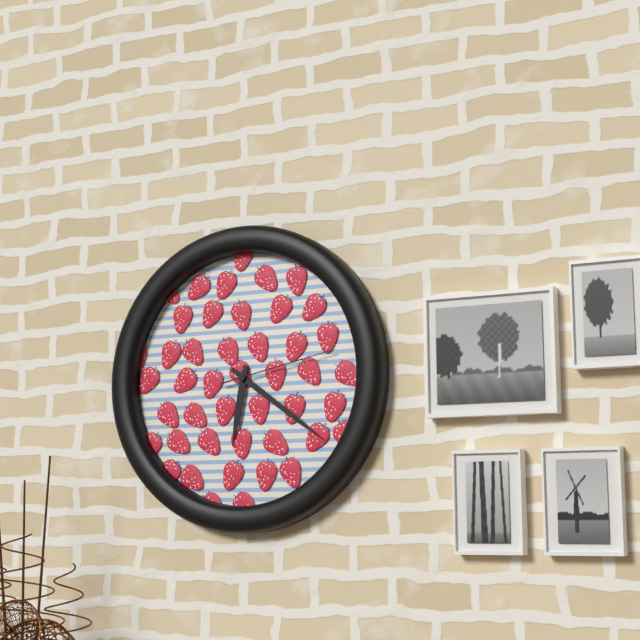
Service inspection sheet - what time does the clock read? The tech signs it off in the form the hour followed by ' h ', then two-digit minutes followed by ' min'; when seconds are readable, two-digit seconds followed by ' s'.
6 h 21 min 13 s
